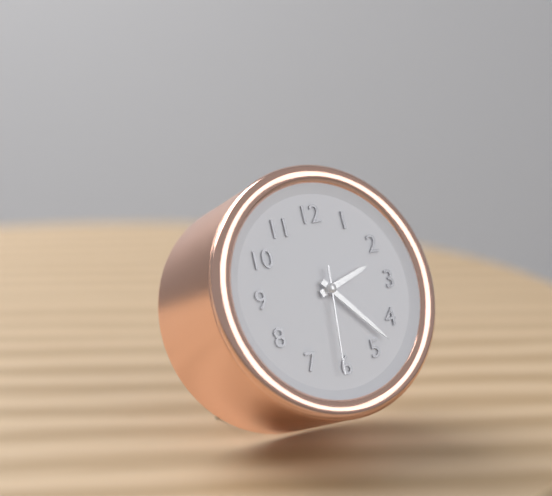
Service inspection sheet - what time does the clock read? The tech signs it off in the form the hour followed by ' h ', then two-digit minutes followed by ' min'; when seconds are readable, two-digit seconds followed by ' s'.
2 h 23 min 31 s
